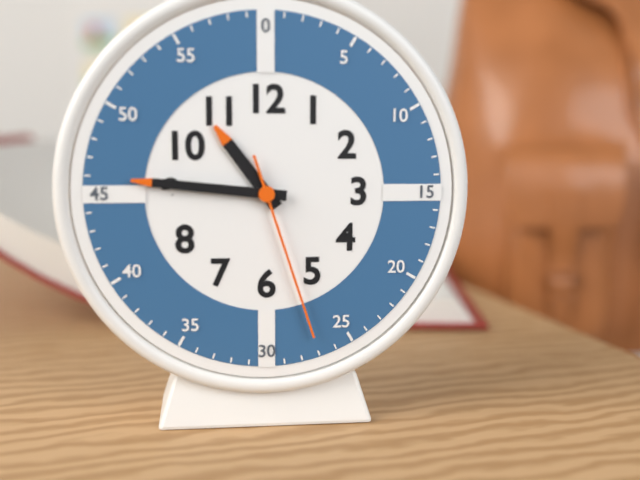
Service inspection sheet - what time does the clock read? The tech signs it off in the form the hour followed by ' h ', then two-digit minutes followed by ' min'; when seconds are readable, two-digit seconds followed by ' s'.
10 h 46 min 27 s
